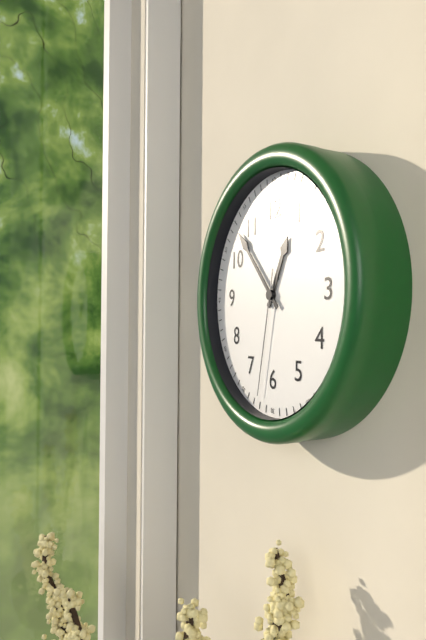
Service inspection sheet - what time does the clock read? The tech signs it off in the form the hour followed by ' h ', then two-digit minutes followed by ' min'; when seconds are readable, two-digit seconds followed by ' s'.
12 h 53 min 32 s
